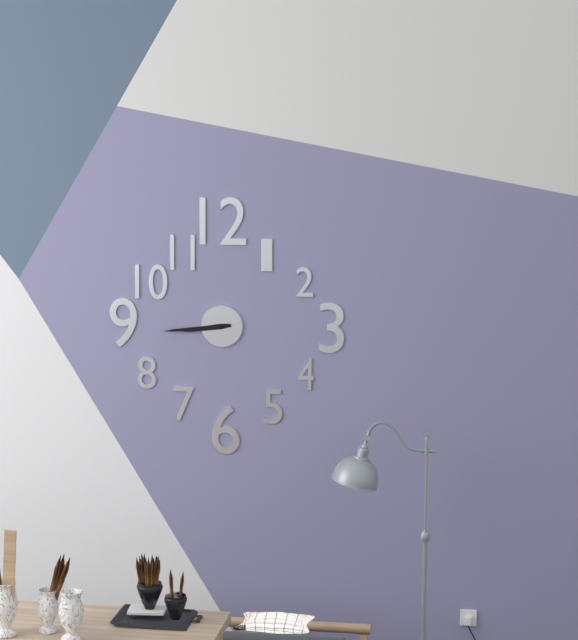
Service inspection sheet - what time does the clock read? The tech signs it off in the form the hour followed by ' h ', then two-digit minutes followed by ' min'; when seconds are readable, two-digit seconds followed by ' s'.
8 h 44 min
